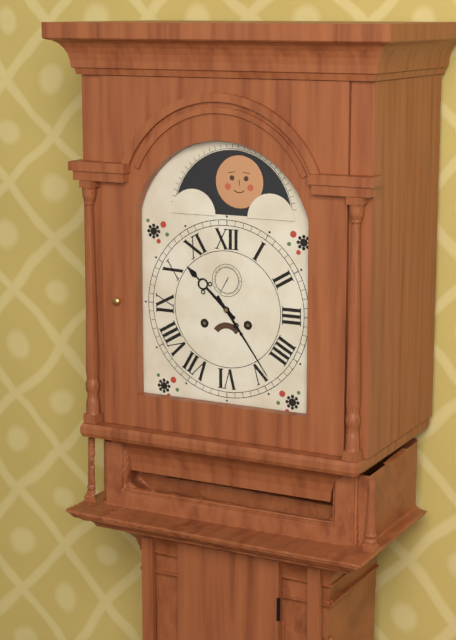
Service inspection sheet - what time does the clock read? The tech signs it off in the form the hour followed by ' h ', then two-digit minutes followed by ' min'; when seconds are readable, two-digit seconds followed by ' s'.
10 h 24 min
